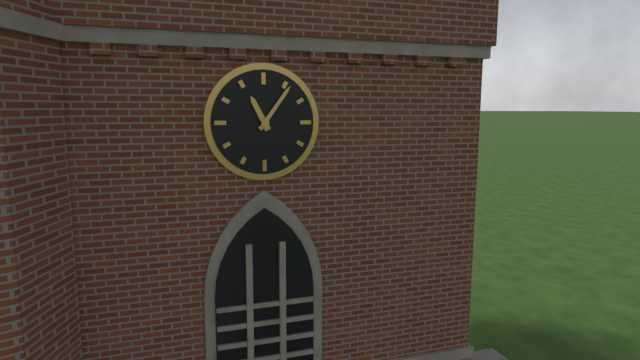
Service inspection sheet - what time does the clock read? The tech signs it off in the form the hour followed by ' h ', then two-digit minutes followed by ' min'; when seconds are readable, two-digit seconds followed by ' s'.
11 h 06 min
